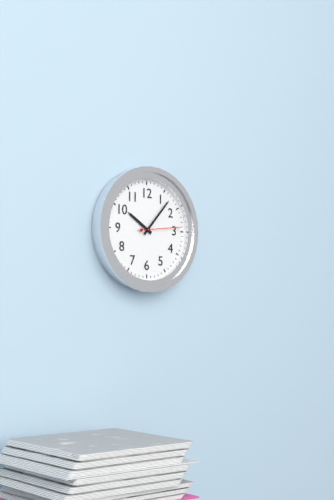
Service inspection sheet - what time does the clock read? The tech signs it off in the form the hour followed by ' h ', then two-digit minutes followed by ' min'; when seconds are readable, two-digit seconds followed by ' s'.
10 h 07 min
